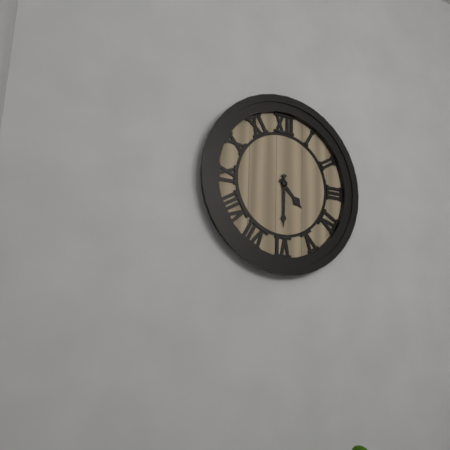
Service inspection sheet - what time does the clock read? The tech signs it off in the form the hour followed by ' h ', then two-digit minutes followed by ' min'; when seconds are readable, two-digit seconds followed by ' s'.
4 h 30 min
